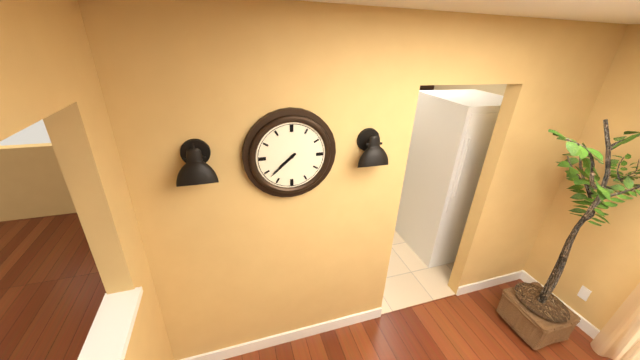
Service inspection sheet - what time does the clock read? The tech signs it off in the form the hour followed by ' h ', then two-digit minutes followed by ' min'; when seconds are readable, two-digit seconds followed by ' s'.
7 h 38 min
